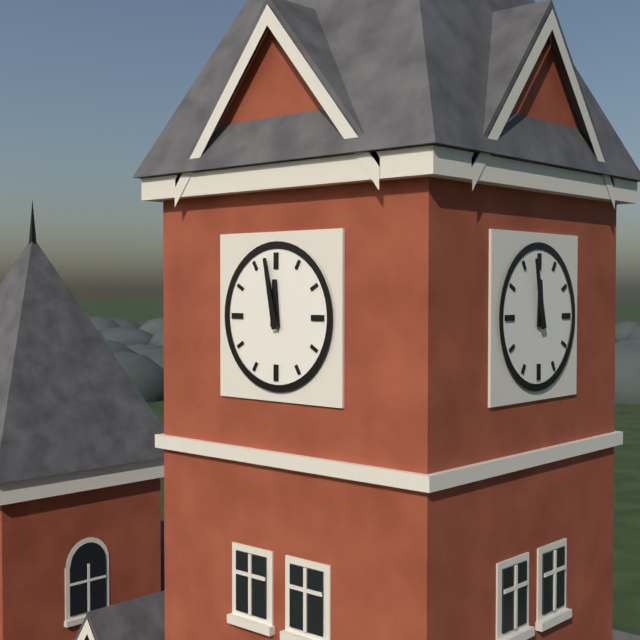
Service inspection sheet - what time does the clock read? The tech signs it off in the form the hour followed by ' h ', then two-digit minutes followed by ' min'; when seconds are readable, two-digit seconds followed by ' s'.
11 h 58 min
